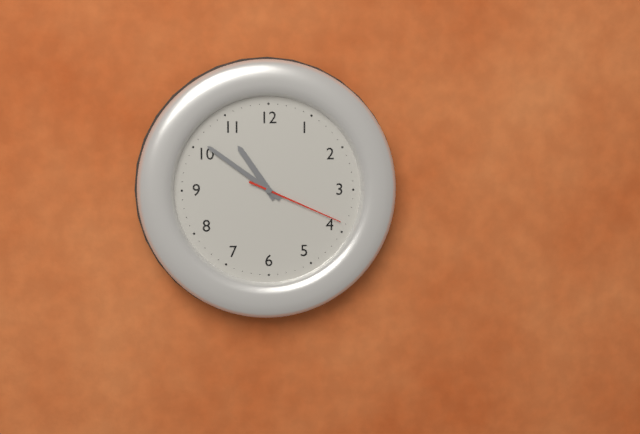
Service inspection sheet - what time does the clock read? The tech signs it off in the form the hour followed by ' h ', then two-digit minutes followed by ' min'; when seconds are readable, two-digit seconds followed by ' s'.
10 h 51 min 19 s
